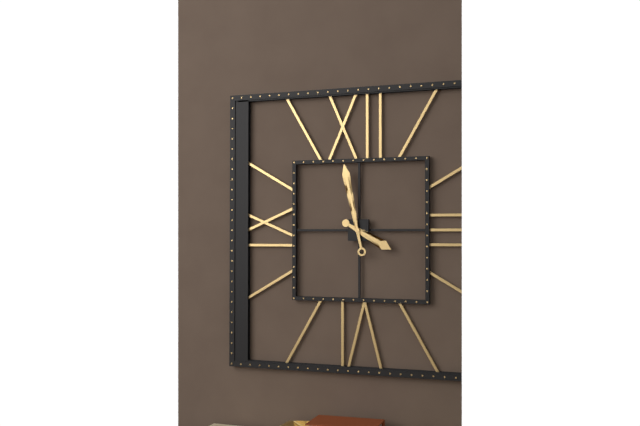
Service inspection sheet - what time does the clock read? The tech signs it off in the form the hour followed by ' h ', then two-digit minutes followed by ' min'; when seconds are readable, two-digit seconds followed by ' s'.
3 h 58 min
